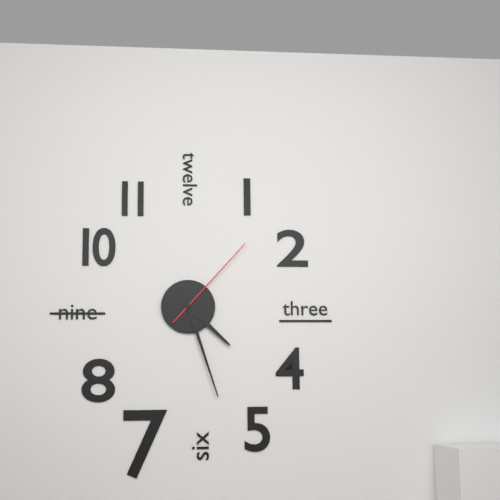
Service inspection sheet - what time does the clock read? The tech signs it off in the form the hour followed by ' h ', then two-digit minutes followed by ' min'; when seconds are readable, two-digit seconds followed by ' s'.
4 h 27 min 07 s
